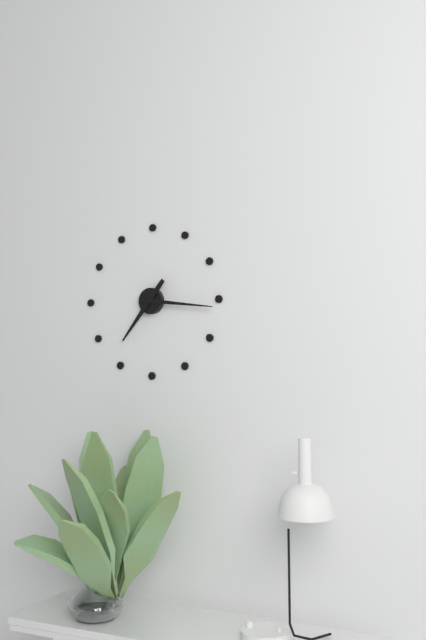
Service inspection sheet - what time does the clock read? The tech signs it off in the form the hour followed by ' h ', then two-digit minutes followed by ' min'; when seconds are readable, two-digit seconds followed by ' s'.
7 h 16 min
